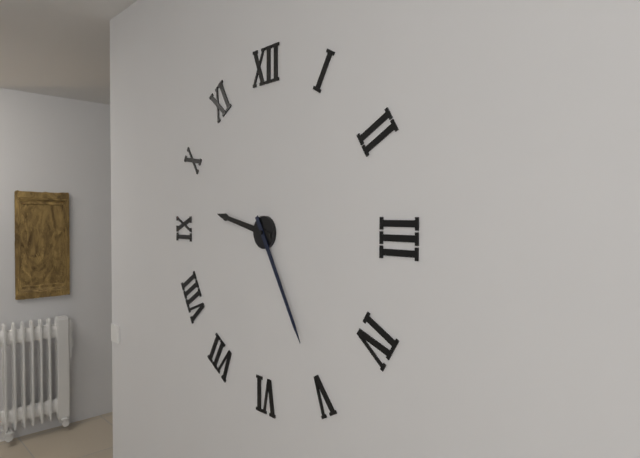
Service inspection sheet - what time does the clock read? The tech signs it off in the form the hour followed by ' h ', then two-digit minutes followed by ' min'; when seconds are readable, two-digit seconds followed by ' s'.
9 h 25 min
